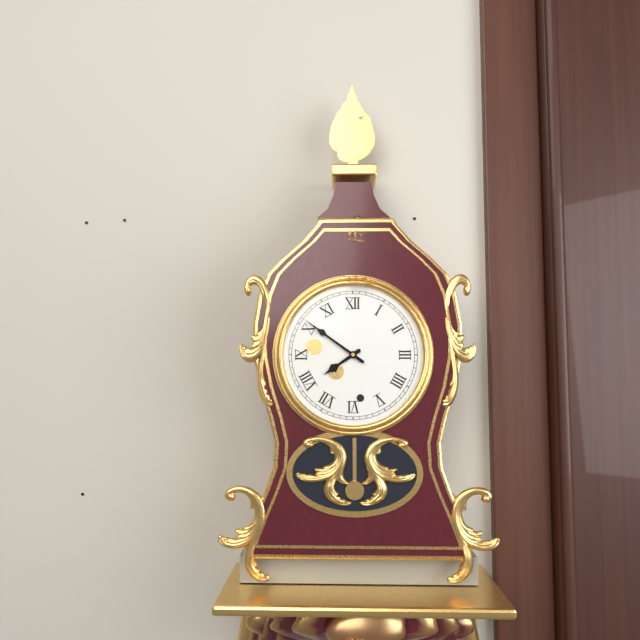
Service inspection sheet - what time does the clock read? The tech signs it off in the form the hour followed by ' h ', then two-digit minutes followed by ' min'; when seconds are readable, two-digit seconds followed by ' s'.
7 h 51 min
